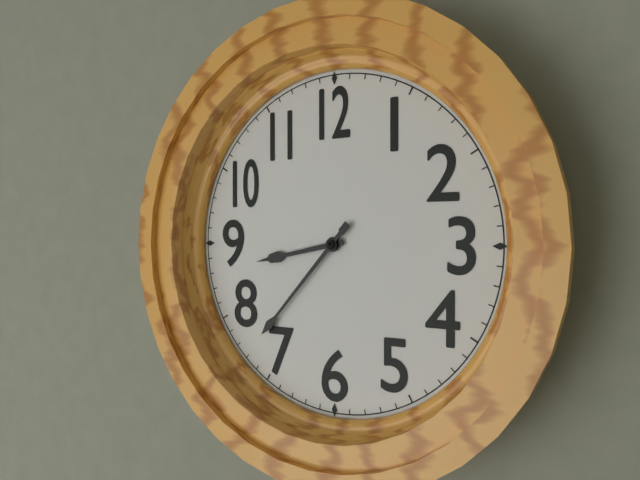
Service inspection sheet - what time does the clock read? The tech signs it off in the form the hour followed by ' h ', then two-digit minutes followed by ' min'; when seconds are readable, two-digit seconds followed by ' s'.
8 h 37 min
